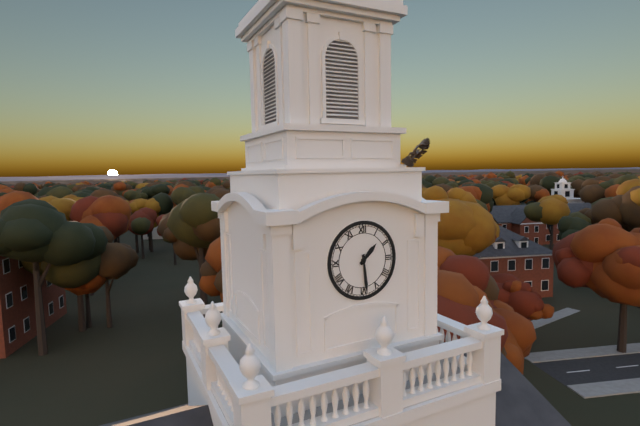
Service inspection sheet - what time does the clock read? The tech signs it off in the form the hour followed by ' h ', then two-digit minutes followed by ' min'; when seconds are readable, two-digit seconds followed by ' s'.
1 h 29 min
